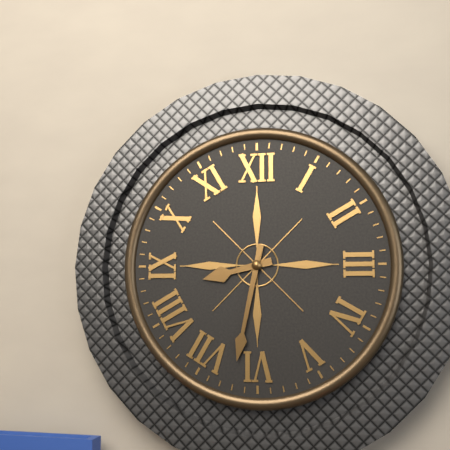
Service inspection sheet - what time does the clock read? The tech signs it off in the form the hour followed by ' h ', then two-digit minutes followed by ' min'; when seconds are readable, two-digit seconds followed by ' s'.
8 h 32 min
